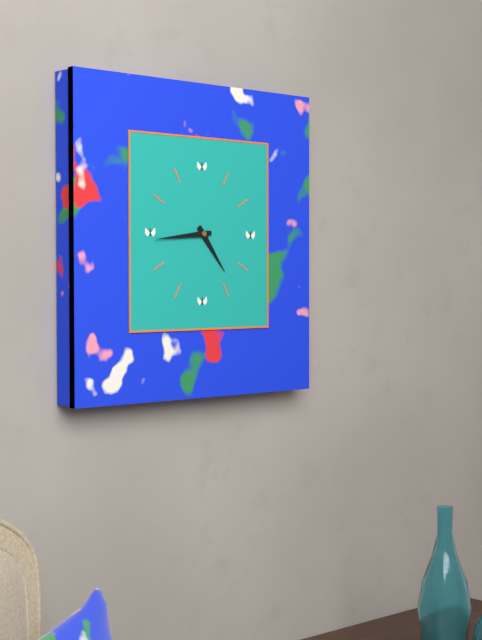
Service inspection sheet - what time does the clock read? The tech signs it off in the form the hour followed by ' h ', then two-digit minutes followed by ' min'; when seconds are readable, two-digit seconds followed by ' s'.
4 h 44 min
